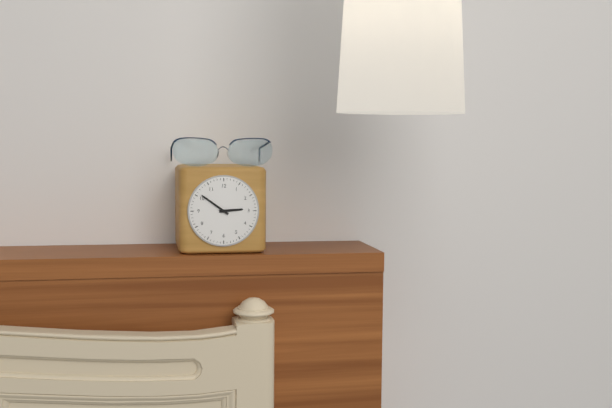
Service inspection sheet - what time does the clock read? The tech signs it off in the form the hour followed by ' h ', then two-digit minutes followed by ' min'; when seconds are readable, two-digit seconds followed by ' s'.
2 h 51 min
